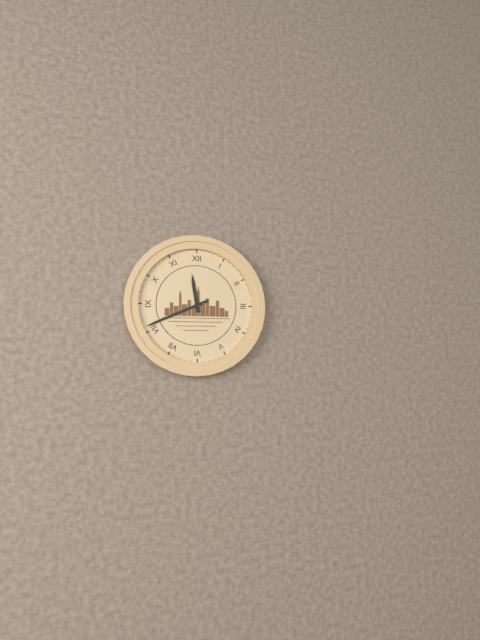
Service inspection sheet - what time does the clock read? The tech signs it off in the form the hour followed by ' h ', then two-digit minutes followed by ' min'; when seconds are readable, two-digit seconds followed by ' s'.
11 h 41 min
